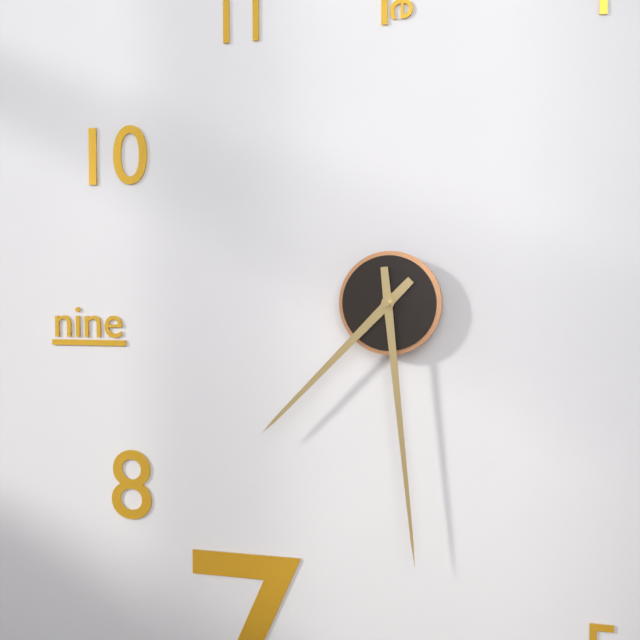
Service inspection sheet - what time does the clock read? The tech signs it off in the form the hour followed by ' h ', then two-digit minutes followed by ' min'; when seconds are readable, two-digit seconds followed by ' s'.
7 h 29 min
